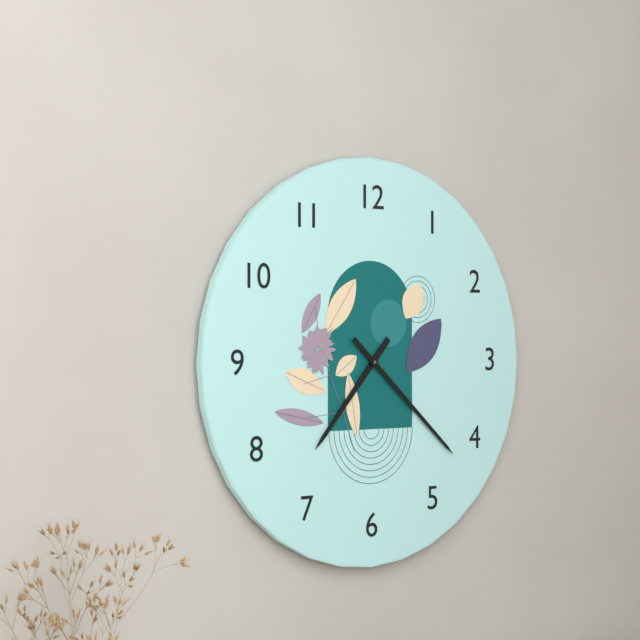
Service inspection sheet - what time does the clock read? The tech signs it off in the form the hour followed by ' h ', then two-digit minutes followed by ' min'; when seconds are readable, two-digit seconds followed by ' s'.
7 h 22 min
